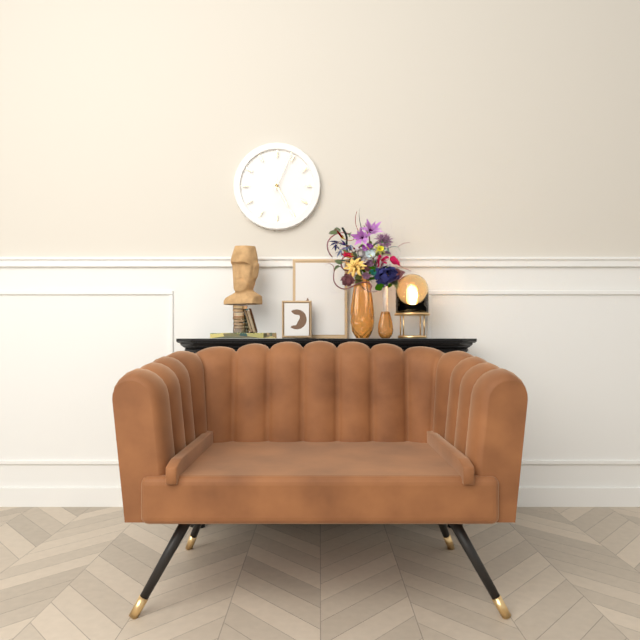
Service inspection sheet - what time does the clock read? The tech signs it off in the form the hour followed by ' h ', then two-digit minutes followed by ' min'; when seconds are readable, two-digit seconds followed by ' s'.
5 h 04 min
